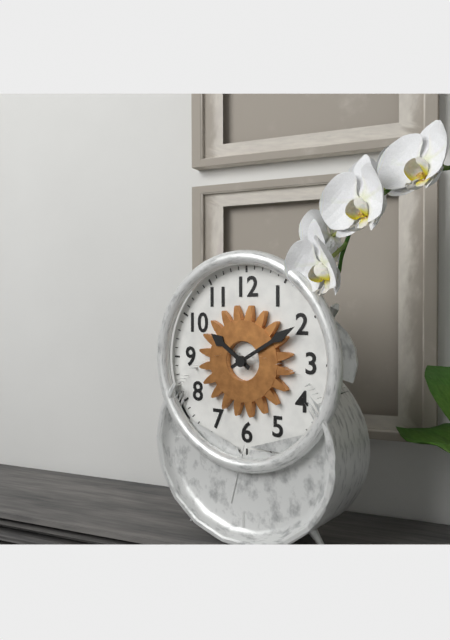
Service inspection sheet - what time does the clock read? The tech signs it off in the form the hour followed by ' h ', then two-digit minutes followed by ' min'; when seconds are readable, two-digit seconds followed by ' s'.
10 h 10 min
